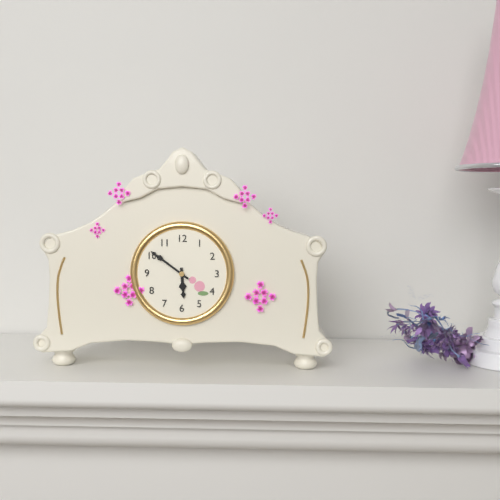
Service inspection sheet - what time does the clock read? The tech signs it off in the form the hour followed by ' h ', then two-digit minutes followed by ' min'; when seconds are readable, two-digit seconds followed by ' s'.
5 h 51 min
